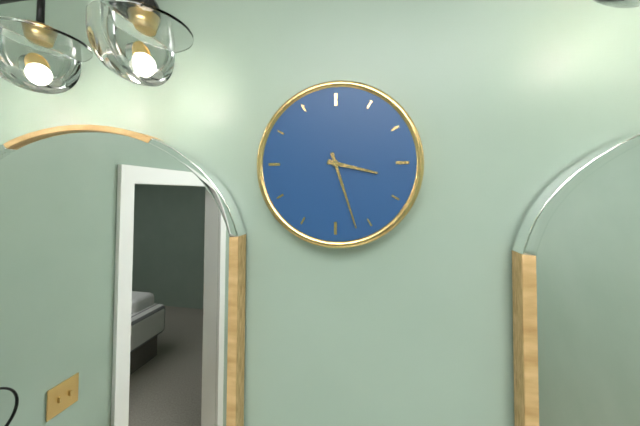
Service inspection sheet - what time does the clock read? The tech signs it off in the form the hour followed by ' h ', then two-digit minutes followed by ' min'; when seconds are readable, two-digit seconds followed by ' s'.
3 h 27 min
